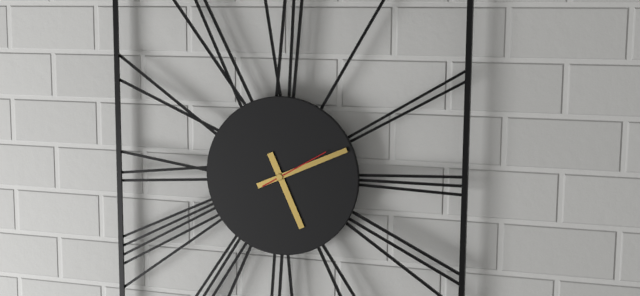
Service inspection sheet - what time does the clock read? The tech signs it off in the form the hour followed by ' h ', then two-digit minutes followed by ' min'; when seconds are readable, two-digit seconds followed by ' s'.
5 h 11 min 10 s
